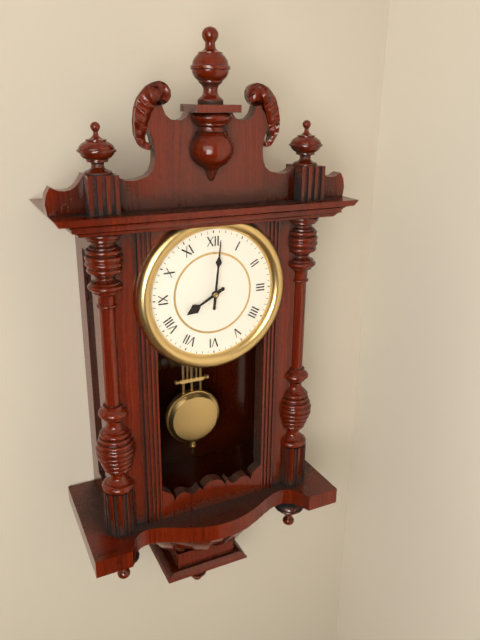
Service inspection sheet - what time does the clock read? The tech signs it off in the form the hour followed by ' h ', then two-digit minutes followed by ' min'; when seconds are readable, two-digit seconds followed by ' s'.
8 h 01 min
